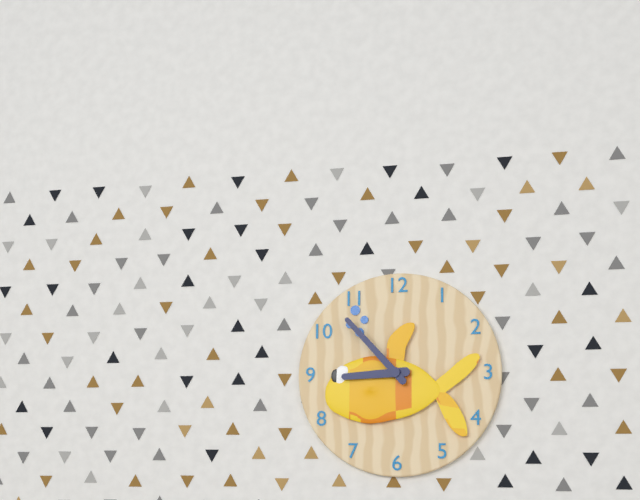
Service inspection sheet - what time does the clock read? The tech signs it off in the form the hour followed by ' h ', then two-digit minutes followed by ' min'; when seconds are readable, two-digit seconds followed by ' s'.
8 h 53 min
